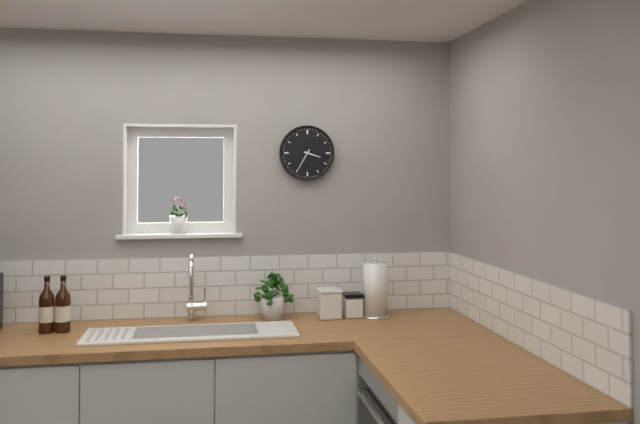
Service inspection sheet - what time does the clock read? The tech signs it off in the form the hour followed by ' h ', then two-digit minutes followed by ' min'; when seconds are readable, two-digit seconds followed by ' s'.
3 h 35 min
